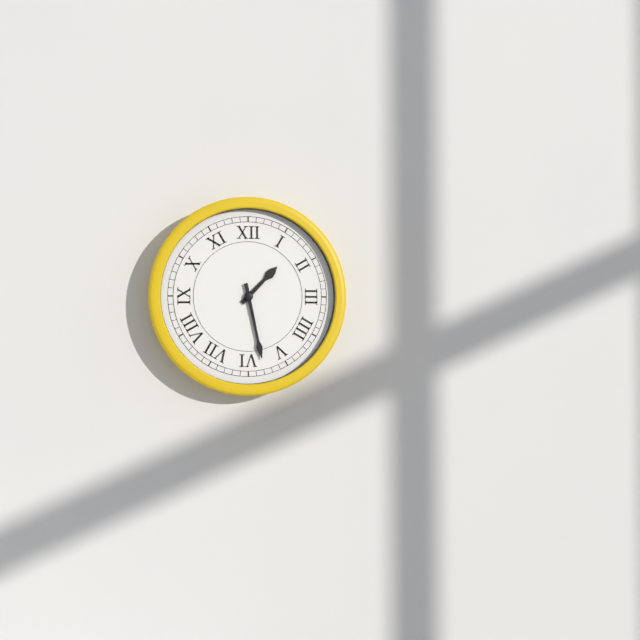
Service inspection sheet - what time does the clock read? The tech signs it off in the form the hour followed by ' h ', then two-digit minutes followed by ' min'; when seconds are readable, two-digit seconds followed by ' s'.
1 h 28 min
